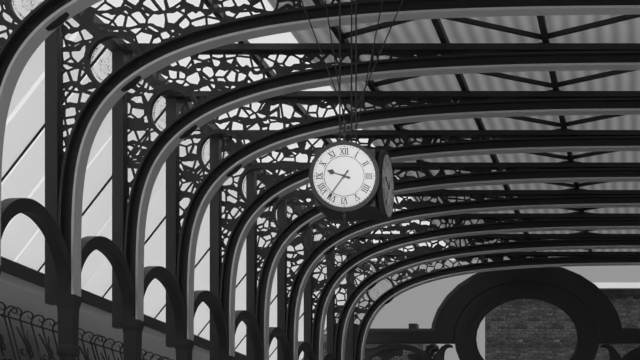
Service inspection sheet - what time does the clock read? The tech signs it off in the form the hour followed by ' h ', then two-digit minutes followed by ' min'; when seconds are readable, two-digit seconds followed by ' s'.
9 h 36 min
